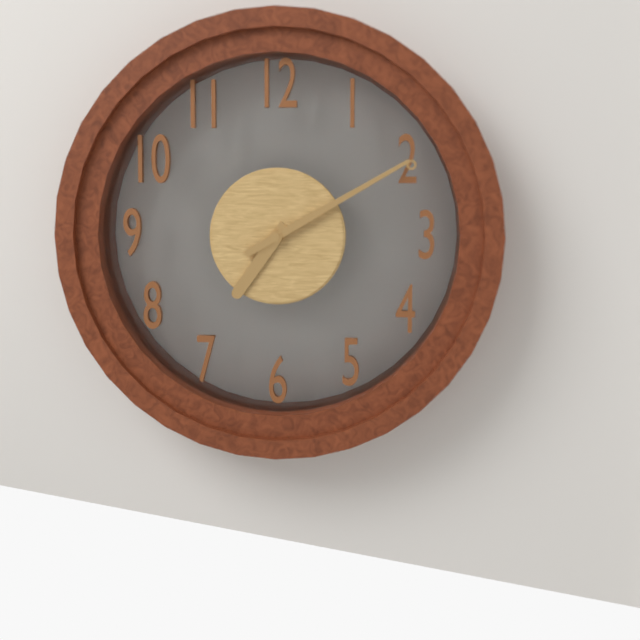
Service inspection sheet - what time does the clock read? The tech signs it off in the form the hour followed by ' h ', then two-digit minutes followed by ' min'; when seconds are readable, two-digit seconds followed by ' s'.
7 h 10 min
